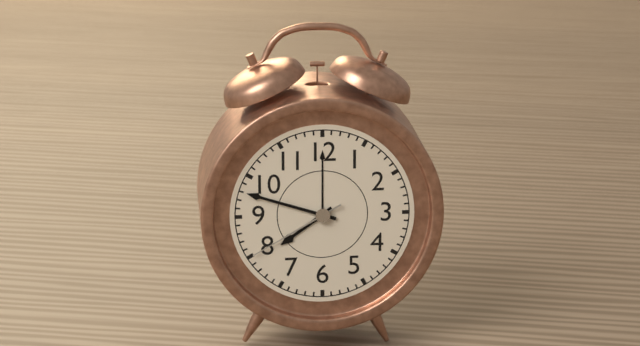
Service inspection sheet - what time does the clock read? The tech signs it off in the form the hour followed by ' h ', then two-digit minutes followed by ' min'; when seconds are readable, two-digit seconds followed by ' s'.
7 h 48 min 40 s
